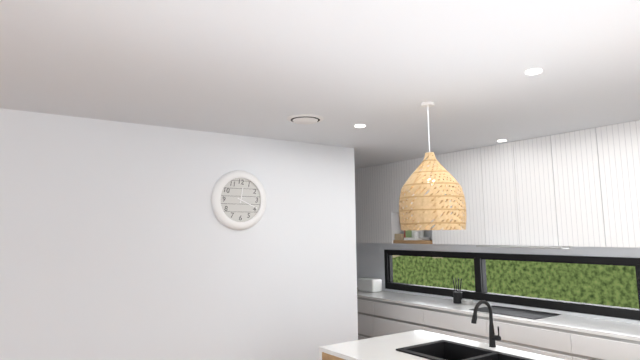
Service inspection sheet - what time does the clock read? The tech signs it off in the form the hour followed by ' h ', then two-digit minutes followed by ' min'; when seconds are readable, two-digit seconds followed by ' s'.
12 h 19 min
